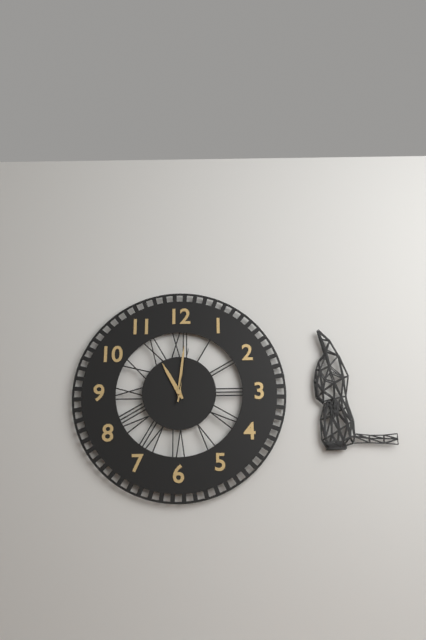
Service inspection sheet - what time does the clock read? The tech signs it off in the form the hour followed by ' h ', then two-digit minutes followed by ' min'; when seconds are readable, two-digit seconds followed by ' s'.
11 h 01 min 02 s
